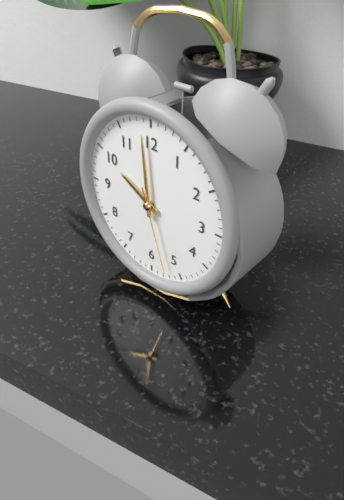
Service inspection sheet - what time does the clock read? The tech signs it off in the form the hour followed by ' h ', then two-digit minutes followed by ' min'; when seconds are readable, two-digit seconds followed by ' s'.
9 h 59 min 27 s
